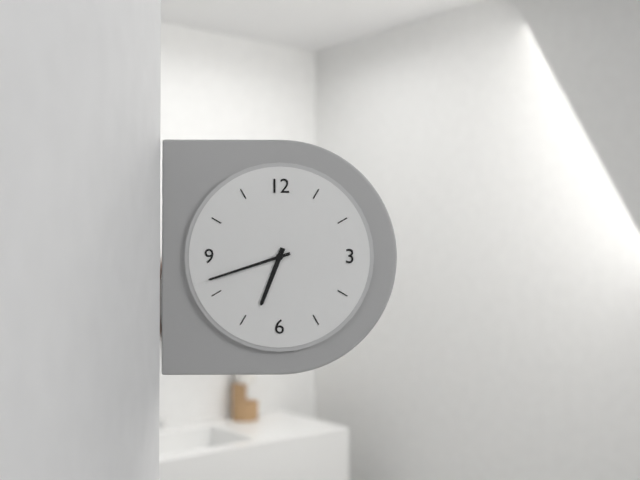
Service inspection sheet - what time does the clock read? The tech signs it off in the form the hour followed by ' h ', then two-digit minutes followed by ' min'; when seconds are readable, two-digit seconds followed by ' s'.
6 h 42 min
